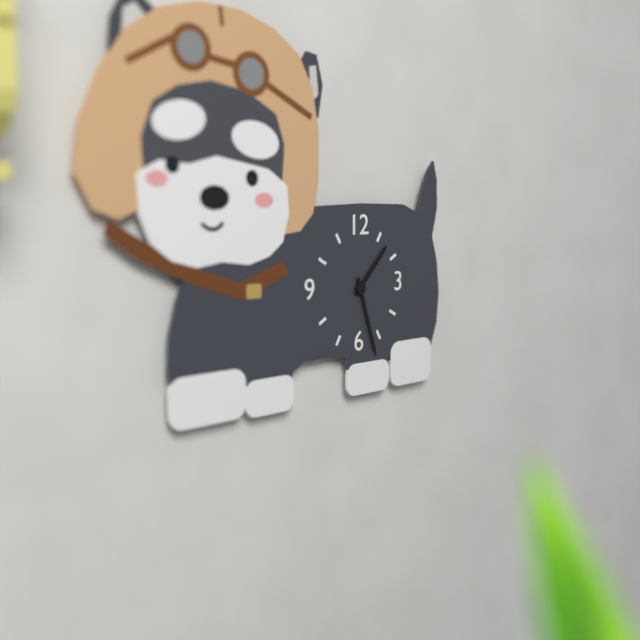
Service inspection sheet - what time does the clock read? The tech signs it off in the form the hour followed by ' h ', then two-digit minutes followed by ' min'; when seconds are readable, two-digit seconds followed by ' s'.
1 h 27 min
